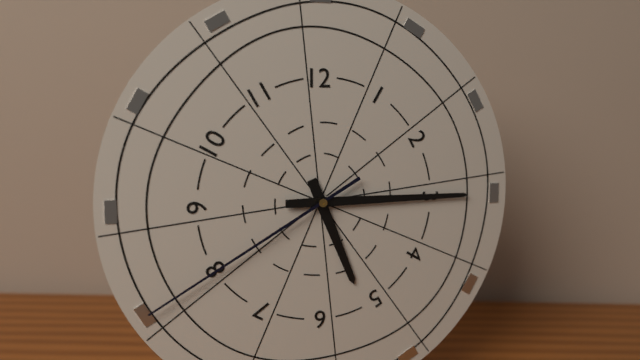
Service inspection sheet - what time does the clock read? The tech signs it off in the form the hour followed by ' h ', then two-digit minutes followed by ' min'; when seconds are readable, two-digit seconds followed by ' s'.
5 h 15 min 40 s
